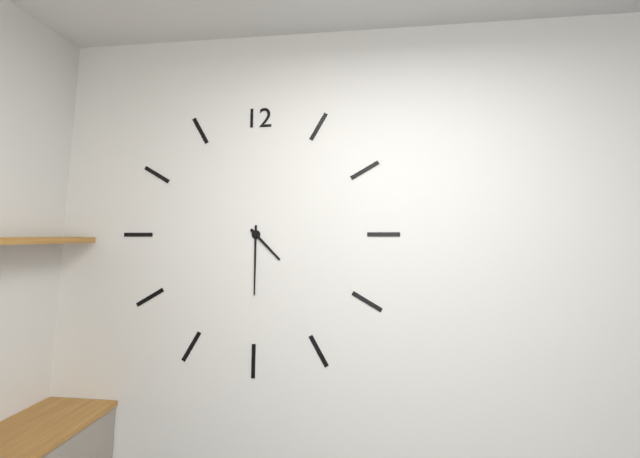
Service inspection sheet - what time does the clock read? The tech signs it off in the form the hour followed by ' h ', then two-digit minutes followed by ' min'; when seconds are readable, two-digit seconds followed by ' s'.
4 h 30 min
